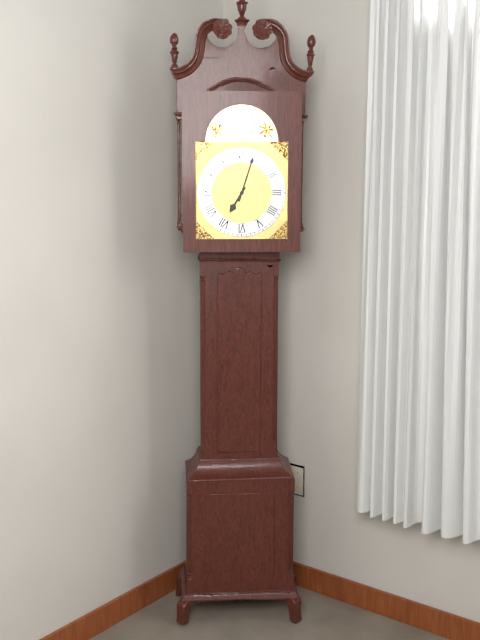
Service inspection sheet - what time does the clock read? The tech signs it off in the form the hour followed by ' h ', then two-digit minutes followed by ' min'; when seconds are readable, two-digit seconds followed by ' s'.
7 h 03 min
